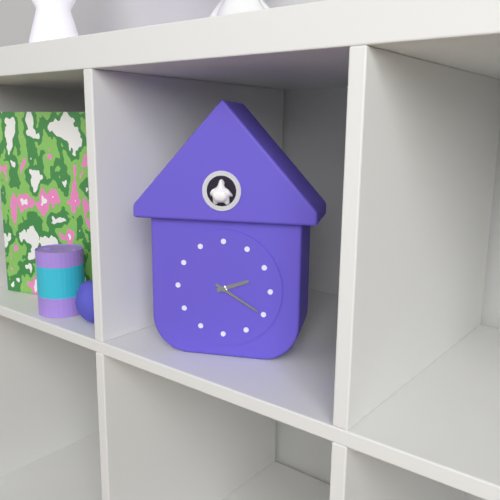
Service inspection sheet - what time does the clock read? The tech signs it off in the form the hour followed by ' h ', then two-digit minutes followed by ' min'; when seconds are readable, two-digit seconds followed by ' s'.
2 h 20 min
